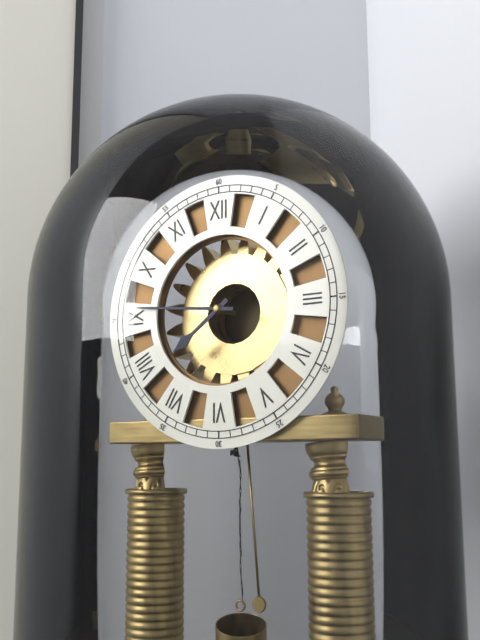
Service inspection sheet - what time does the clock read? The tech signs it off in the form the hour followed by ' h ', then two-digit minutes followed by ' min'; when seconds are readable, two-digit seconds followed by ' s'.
7 h 46 min
